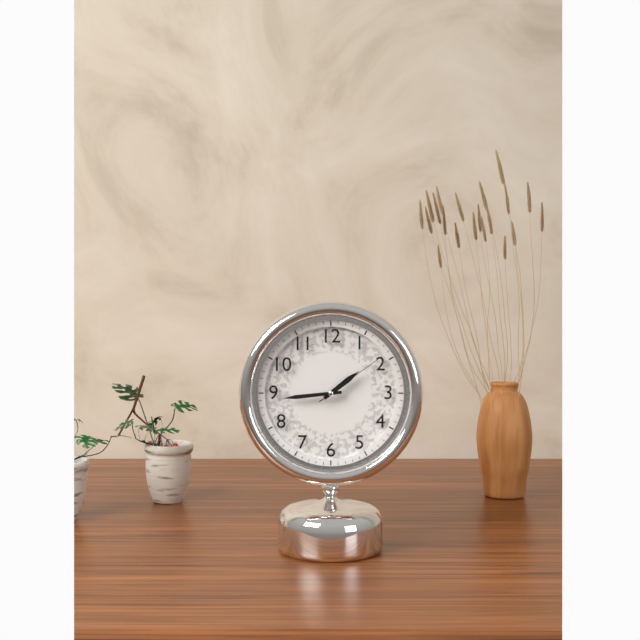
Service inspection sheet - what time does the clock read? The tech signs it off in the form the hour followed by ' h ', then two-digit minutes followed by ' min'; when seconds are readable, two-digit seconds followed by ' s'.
1 h 44 min 09 s
